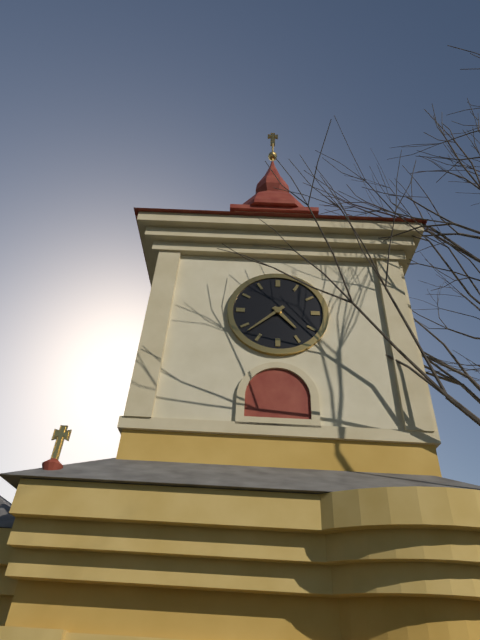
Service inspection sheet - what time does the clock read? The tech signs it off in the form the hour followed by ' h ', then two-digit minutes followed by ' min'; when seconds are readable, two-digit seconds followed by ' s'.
4 h 38 min
